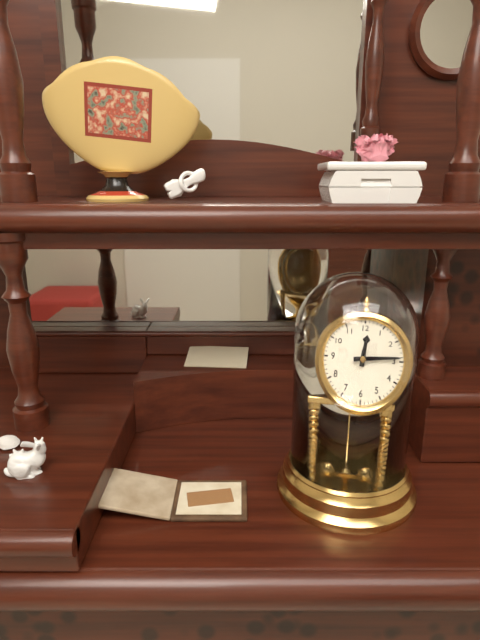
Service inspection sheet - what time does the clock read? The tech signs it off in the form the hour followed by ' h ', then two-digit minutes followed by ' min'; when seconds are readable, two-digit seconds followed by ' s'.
12 h 14 min
